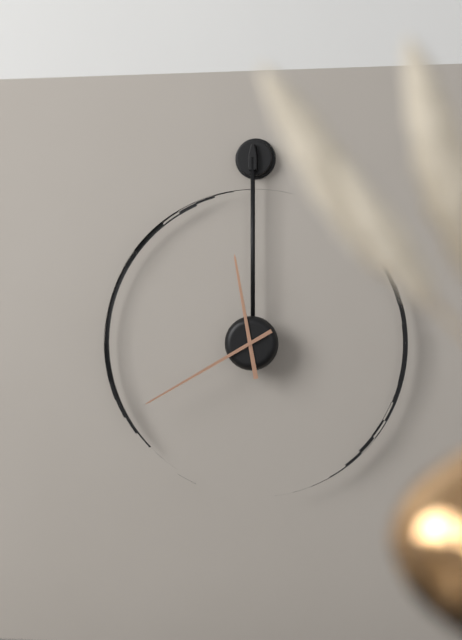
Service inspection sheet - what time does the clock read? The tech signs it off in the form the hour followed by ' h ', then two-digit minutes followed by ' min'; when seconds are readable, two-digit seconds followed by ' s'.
11 h 40 min
